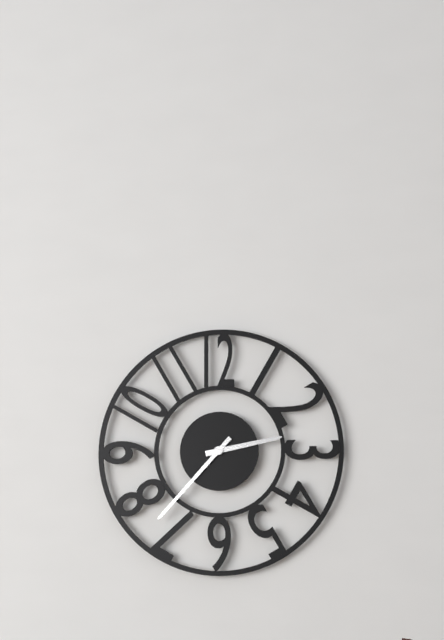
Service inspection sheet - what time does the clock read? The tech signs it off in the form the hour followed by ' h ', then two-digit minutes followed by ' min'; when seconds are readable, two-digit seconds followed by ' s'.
2 h 37 min
